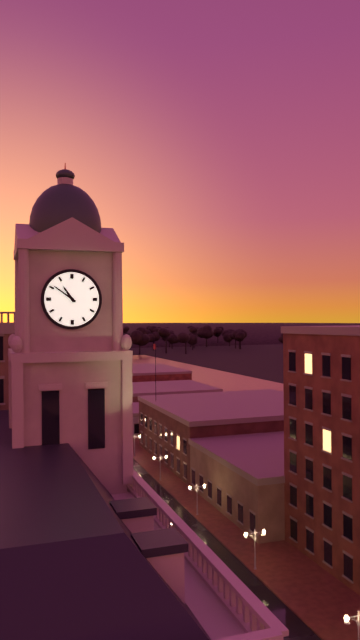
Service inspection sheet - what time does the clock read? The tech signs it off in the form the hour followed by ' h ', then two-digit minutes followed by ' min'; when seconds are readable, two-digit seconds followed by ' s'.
10 h 51 min
